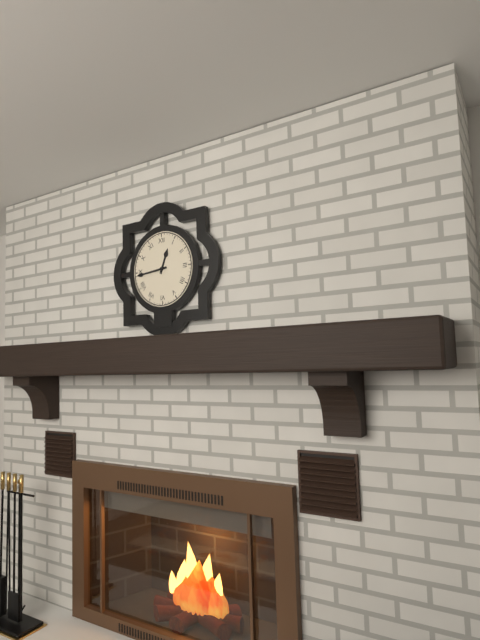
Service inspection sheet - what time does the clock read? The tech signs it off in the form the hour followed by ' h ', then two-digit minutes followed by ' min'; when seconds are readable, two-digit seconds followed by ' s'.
12 h 44 min
